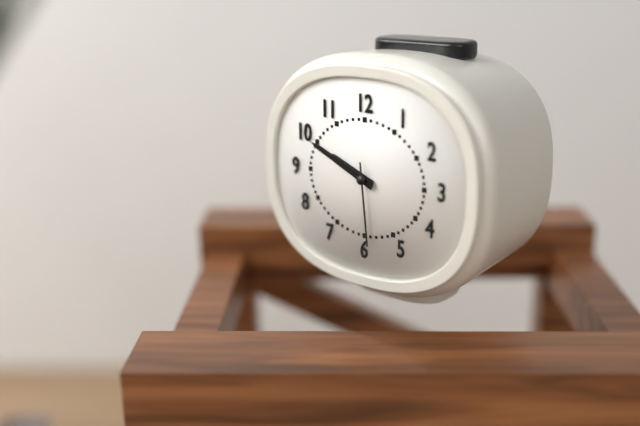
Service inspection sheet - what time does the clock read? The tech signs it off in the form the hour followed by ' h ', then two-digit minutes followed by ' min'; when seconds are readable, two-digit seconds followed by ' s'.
9 h 49 min 29 s
